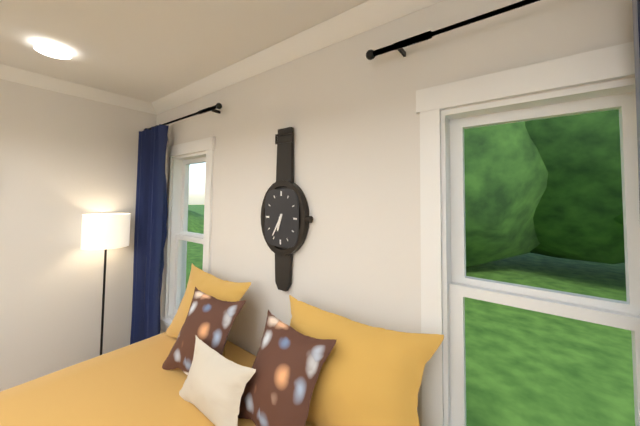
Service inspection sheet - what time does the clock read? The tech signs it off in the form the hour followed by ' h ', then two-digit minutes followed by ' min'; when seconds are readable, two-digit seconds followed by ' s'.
6 h 35 min
